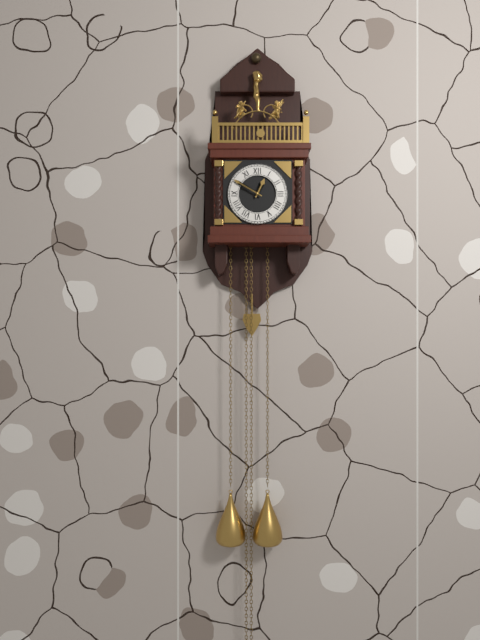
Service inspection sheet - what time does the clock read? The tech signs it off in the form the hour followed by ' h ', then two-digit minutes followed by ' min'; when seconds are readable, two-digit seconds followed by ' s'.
12 h 50 min
